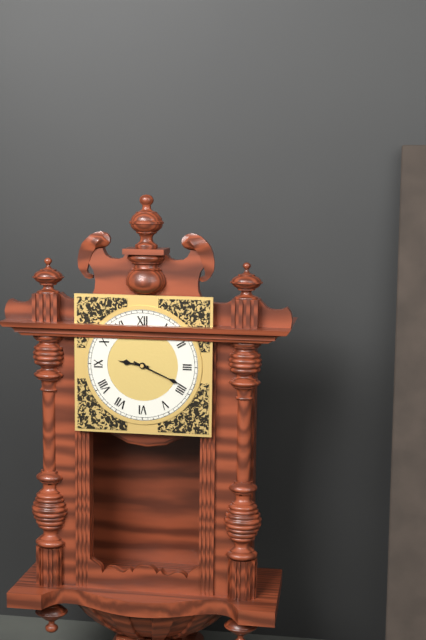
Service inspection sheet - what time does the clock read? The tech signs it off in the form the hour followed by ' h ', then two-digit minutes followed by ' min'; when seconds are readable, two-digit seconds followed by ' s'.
9 h 19 min
